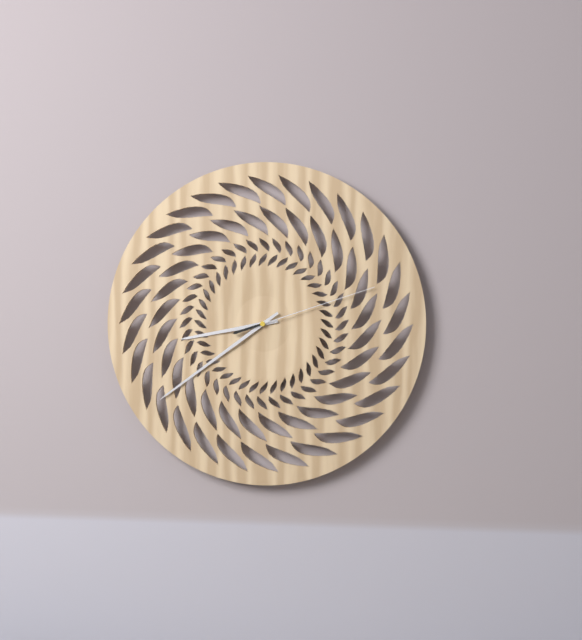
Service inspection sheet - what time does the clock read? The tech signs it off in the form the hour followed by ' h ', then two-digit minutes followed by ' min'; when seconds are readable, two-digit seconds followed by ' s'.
8 h 39 min 12 s
